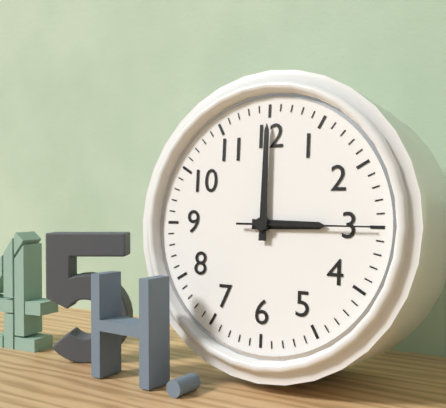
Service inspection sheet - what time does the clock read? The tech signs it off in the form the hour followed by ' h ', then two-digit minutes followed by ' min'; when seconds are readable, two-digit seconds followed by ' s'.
3 h 00 min 15 s
